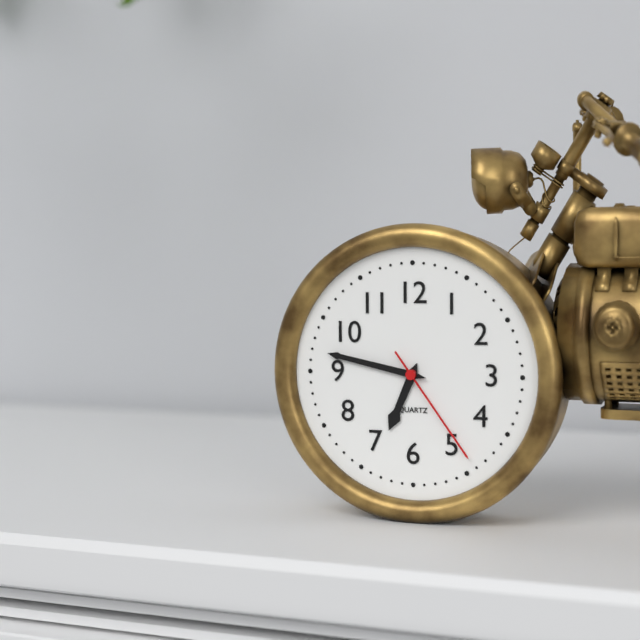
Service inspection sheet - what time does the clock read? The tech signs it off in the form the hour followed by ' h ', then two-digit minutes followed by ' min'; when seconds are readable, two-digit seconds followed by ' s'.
6 h 47 min 24 s
